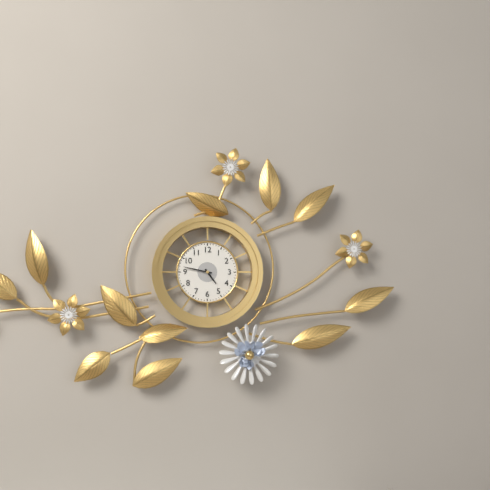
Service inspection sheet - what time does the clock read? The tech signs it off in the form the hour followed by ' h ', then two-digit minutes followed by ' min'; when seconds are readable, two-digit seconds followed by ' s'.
4 h 47 min
